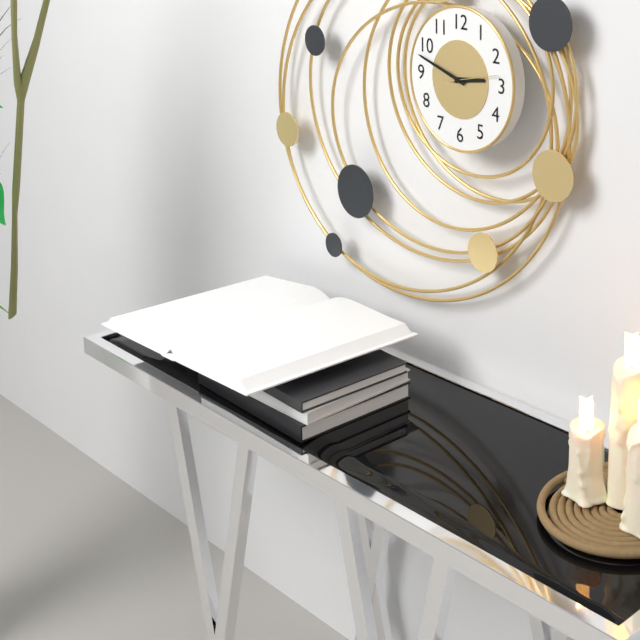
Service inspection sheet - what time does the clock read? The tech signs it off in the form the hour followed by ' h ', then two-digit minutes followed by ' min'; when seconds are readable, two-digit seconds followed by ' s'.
2 h 48 min 13 s
